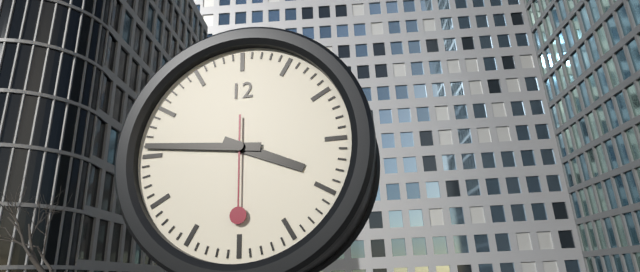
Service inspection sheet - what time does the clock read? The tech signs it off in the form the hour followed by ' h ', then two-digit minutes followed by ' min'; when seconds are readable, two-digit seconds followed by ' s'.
3 h 46 min 30 s
